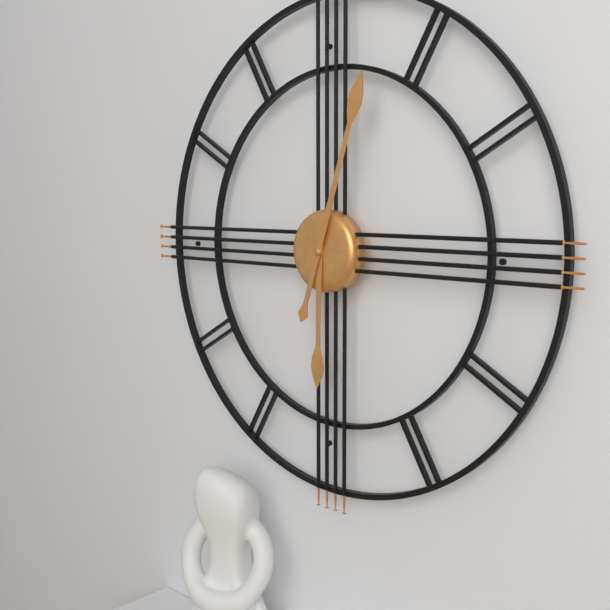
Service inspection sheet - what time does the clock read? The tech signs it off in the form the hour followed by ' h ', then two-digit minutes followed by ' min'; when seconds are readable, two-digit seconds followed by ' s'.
6 h 03 min
